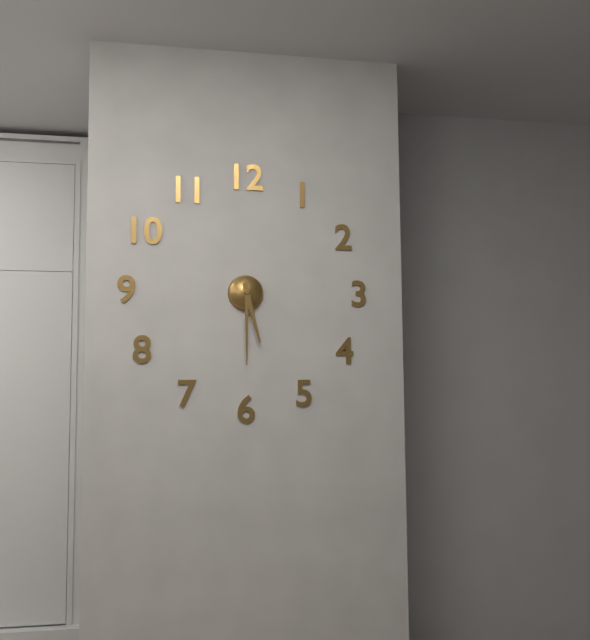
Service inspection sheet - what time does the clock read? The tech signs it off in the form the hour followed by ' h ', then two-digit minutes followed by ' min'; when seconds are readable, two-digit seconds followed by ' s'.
5 h 30 min
